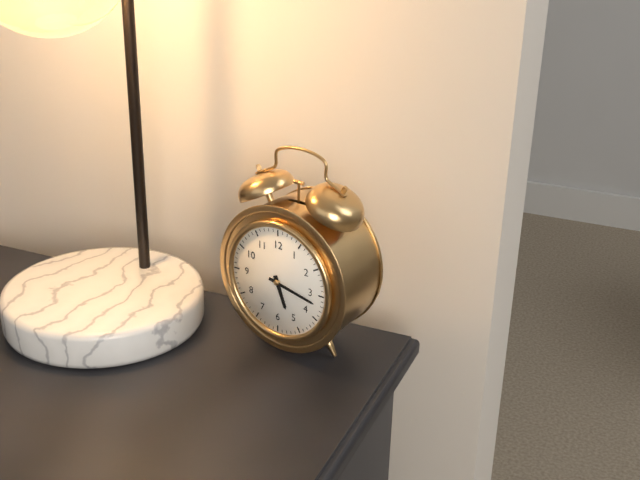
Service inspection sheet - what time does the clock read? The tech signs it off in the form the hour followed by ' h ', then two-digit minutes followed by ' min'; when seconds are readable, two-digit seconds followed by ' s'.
5 h 17 min
